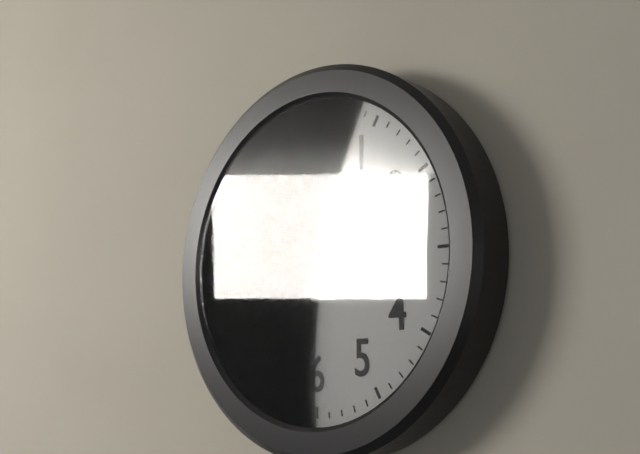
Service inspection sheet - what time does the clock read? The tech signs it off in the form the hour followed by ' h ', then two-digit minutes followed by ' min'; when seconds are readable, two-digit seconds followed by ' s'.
6 h 32 min
